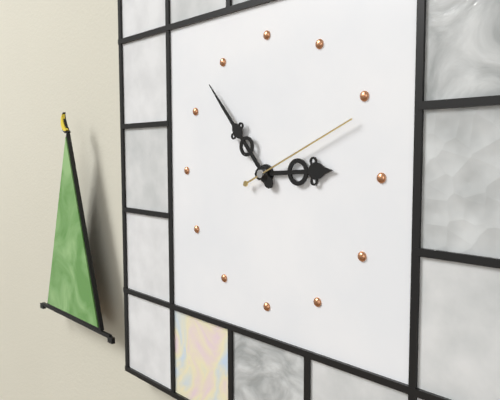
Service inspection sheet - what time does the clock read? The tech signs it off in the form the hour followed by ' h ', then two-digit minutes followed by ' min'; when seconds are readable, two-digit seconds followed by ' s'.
2 h 53 min 11 s
